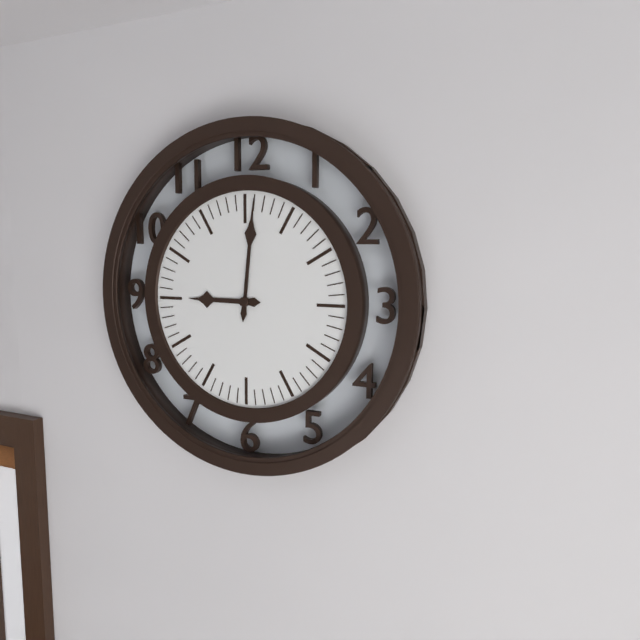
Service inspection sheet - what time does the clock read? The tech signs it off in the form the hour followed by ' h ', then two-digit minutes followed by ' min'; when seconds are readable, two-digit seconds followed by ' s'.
9 h 01 min
